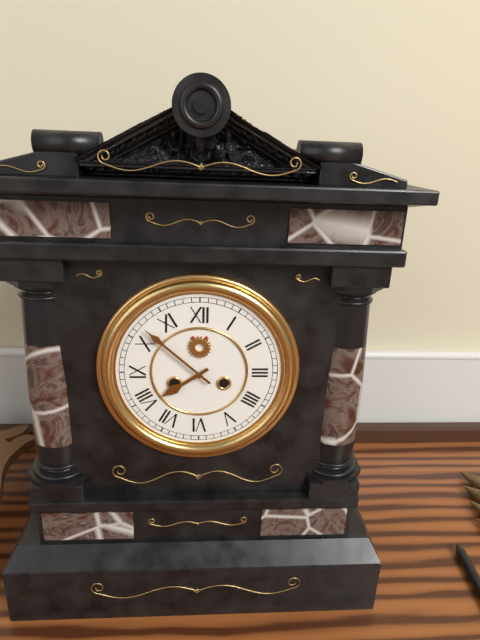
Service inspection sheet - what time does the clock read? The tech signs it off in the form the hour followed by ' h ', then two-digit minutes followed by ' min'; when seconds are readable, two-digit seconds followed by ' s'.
7 h 52 min
